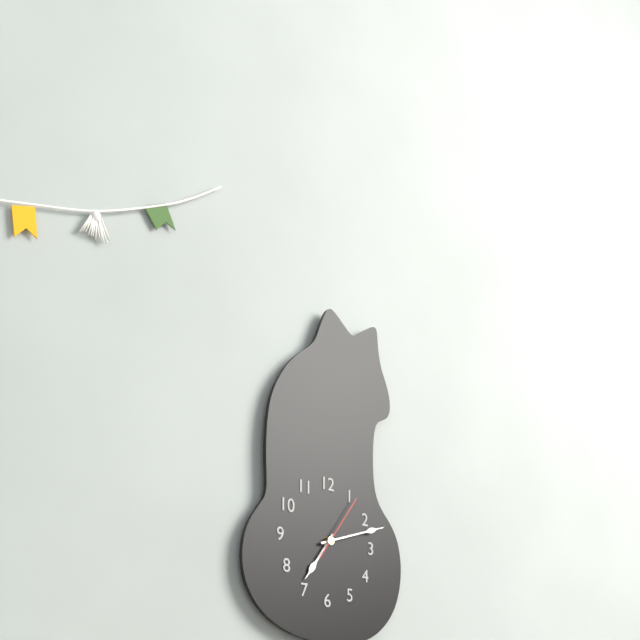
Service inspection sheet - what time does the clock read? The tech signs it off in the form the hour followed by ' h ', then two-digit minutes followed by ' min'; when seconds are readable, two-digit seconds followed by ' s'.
7 h 12 min 06 s
